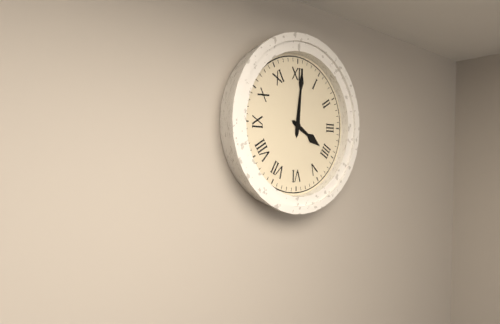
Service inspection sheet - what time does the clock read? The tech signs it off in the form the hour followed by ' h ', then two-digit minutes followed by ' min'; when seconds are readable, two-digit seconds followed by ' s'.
4 h 01 min
